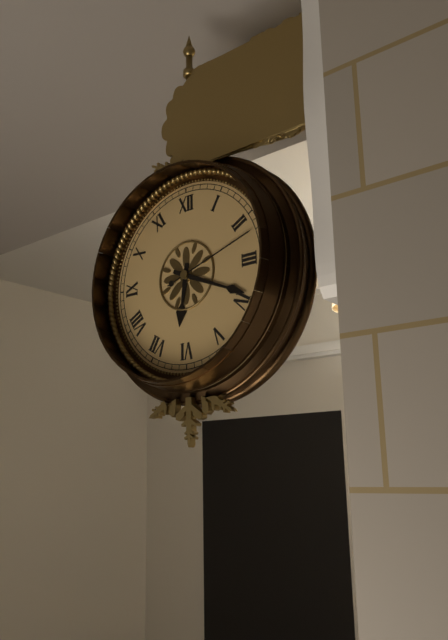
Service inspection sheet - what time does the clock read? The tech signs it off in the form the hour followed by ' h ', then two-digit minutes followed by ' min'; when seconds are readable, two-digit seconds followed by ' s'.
6 h 19 min 12 s
